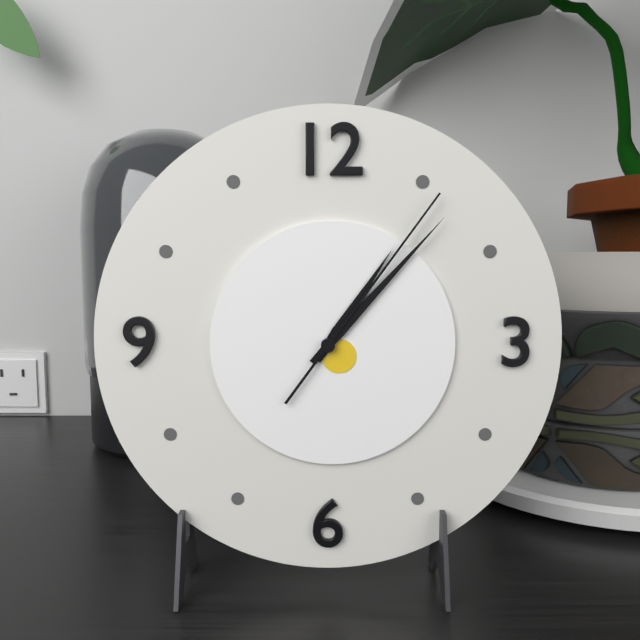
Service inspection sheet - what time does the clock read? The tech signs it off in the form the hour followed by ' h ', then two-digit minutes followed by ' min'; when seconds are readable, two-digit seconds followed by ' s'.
1 h 07 min 06 s
